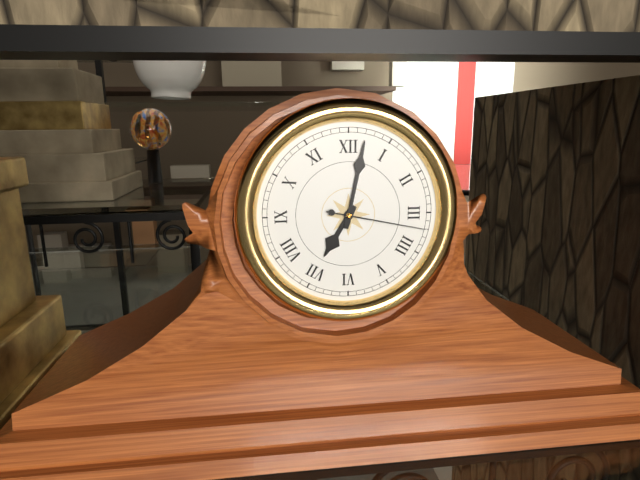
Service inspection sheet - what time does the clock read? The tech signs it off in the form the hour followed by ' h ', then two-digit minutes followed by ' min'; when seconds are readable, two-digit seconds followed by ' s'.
7 h 02 min 17 s
